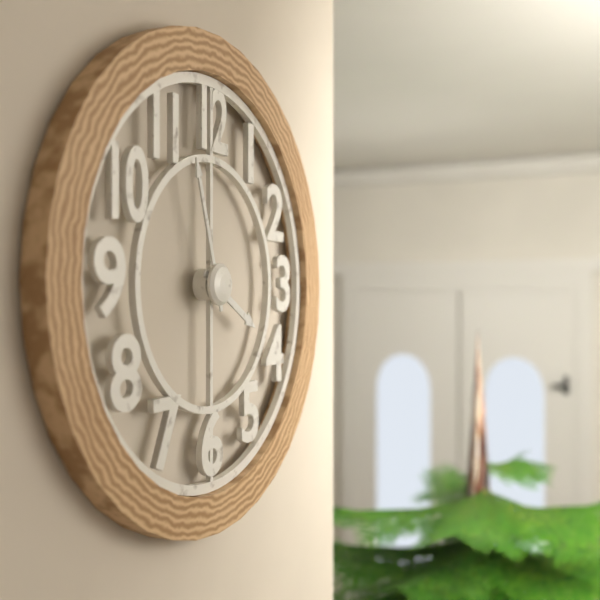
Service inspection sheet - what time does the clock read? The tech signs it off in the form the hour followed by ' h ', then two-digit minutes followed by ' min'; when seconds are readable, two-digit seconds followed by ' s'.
3 h 57 min
